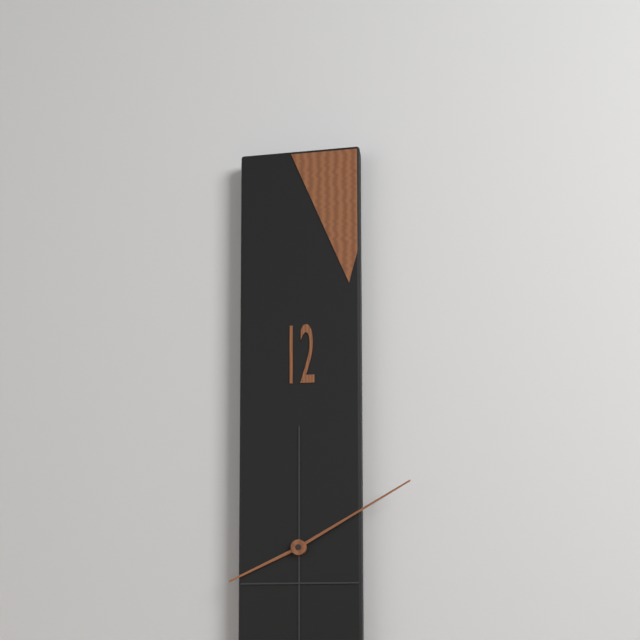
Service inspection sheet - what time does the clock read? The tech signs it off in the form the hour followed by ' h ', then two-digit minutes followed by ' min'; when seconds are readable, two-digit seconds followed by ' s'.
8 h 10 min
